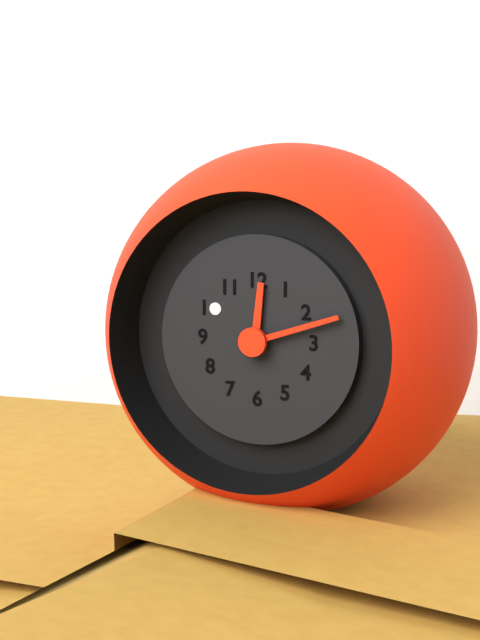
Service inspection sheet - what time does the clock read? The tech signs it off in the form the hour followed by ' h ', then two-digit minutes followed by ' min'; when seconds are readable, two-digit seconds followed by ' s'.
12 h 12 min
